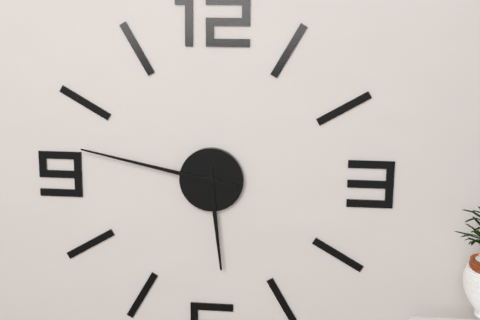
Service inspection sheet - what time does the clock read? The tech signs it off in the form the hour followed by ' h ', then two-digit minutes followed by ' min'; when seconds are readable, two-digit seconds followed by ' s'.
5 h 47 min
